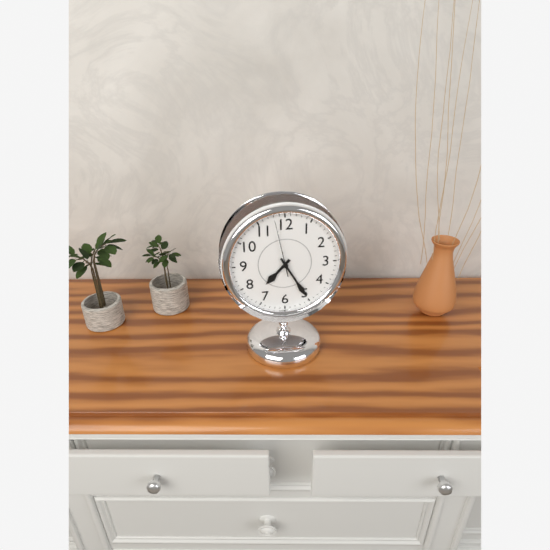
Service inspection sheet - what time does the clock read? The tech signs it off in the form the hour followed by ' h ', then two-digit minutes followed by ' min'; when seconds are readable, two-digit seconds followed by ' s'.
7 h 25 min 58 s
